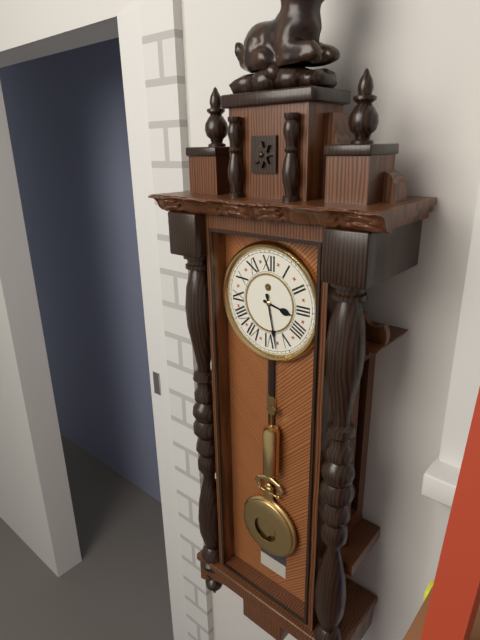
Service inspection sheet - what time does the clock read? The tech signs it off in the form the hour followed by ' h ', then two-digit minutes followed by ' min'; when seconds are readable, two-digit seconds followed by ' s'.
3 h 28 min
